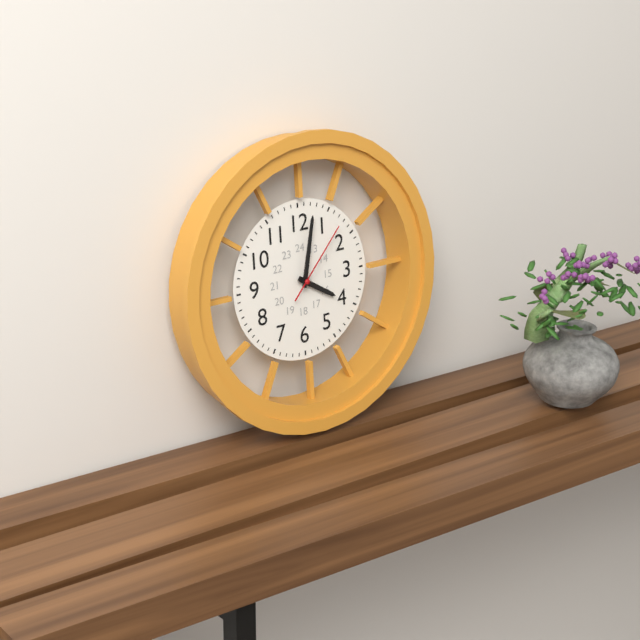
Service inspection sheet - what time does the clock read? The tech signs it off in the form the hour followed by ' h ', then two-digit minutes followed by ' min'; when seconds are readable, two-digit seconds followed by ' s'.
4 h 02 min 07 s
